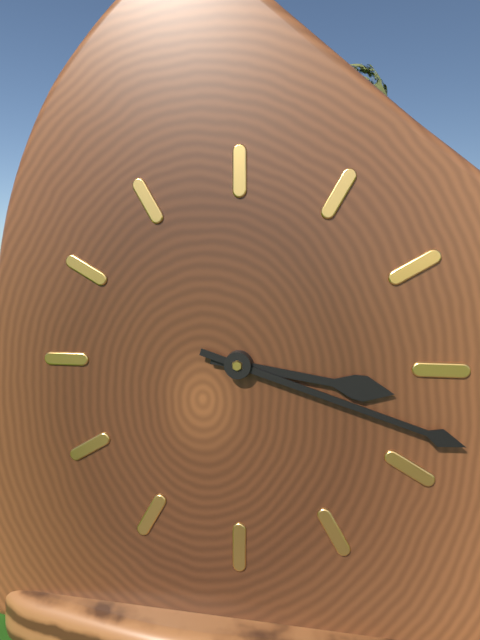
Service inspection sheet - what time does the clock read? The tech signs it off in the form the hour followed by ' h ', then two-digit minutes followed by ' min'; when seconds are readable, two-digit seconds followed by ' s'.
3 h 18 min
